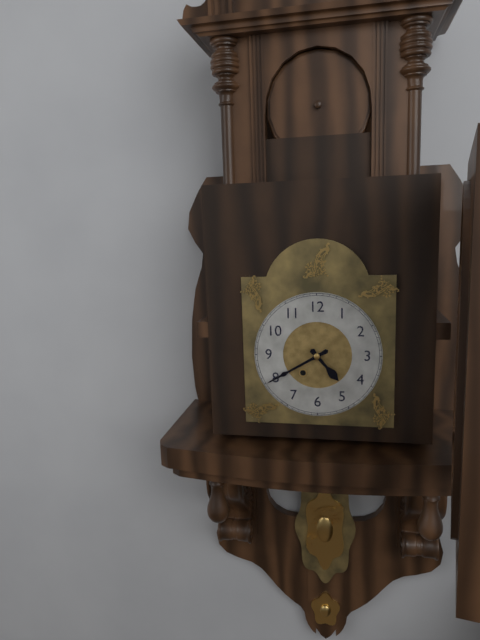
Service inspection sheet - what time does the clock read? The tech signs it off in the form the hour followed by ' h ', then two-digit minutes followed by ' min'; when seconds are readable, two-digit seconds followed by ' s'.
4 h 40 min
